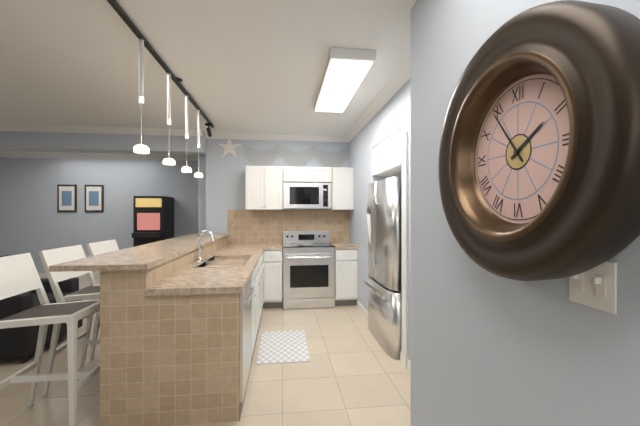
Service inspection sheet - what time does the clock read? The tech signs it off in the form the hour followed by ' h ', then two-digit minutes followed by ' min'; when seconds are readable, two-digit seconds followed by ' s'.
1 h 54 min
